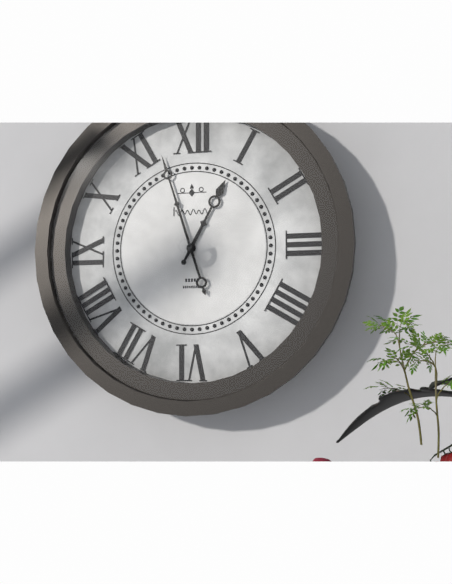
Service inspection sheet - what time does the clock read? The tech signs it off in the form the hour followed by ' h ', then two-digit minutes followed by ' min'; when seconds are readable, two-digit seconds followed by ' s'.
12 h 57 min
